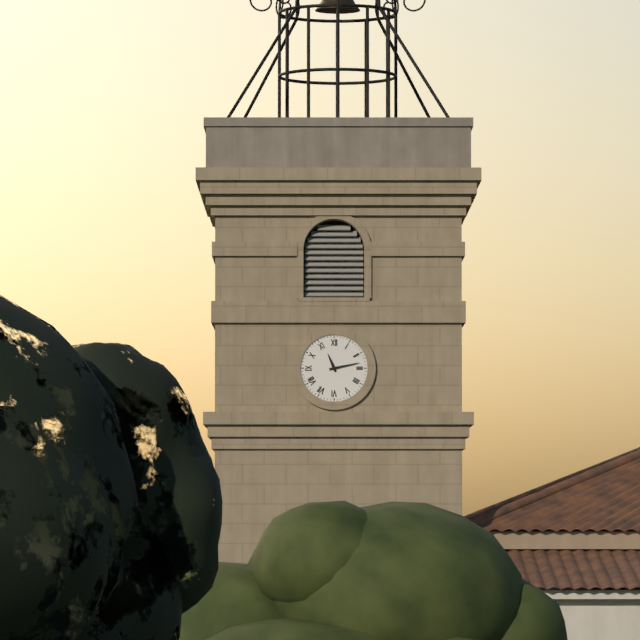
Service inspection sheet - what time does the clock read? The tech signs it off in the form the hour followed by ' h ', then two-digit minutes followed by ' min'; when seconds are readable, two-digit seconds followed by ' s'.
11 h 13 min
